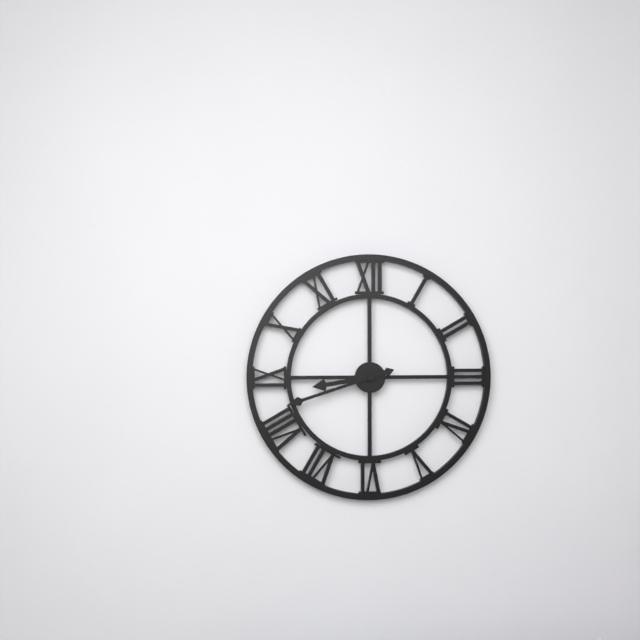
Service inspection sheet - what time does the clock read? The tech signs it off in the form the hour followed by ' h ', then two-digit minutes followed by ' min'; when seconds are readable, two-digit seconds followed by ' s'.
8 h 42 min
